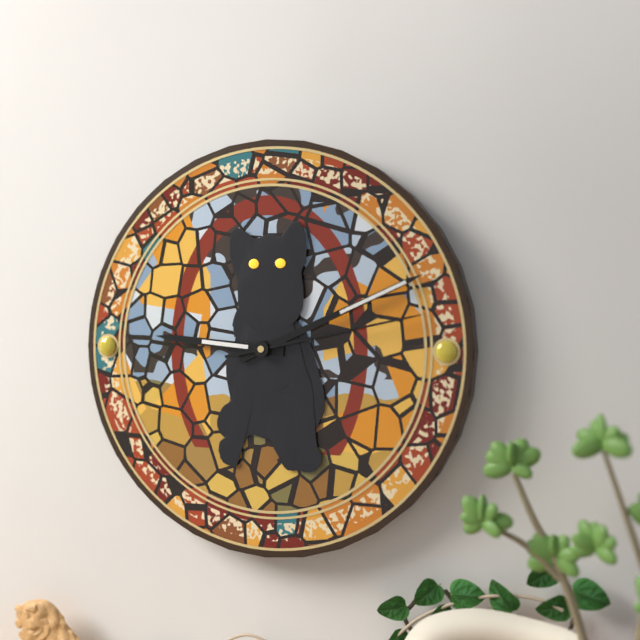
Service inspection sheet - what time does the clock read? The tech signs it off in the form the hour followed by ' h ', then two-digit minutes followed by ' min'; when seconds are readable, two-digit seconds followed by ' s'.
9 h 11 min 13 s
